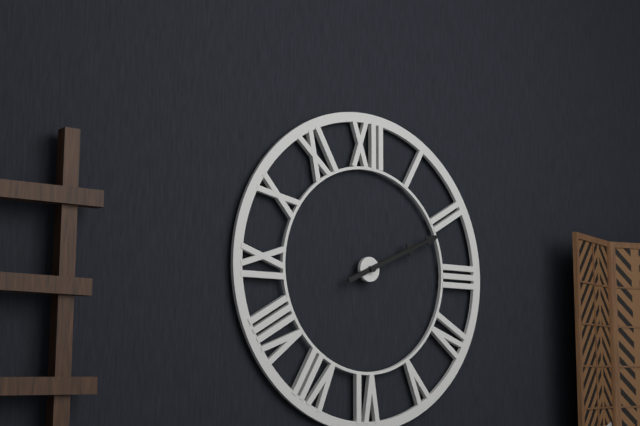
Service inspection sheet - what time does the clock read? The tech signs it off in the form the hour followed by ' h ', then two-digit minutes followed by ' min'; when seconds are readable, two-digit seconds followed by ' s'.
2 h 11 min
